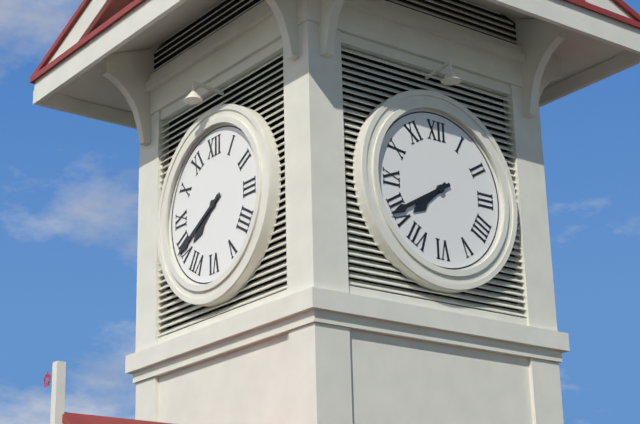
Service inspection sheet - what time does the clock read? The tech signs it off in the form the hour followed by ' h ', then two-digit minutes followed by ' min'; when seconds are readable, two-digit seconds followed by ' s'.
7 h 40 min
